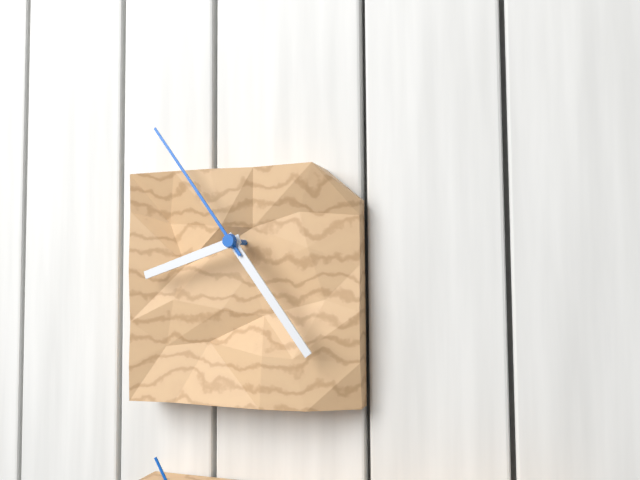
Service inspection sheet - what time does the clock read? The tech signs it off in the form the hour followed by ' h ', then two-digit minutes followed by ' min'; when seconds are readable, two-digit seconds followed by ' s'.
8 h 24 min 54 s
